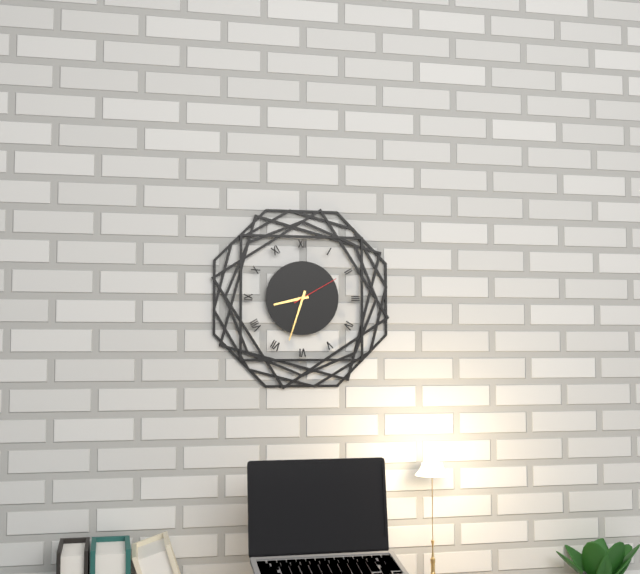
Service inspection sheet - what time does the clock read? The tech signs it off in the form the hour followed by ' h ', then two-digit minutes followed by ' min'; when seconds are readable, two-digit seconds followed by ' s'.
8 h 33 min
